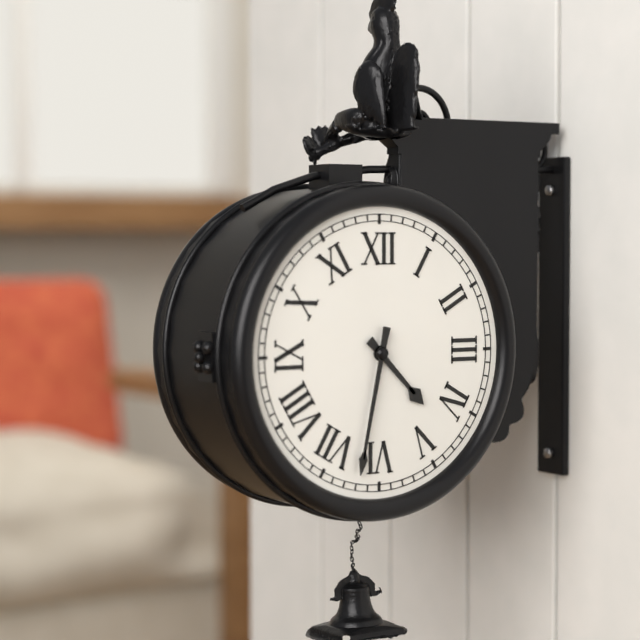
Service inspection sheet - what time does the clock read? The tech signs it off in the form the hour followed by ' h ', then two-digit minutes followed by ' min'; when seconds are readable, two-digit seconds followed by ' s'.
4 h 32 min
